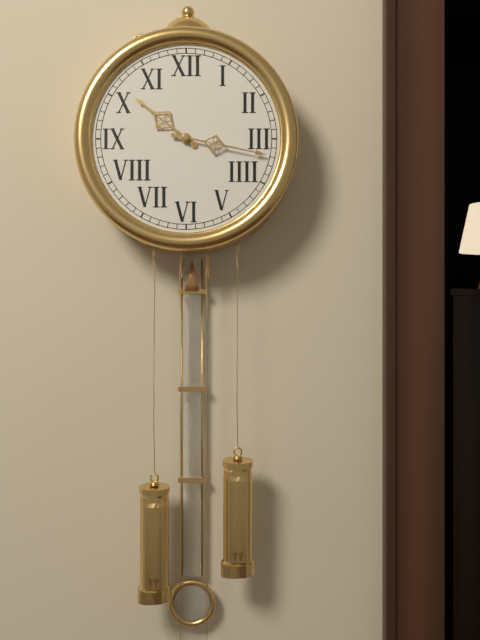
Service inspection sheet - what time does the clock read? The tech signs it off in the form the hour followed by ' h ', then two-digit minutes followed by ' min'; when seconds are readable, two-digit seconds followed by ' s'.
10 h 17 min
